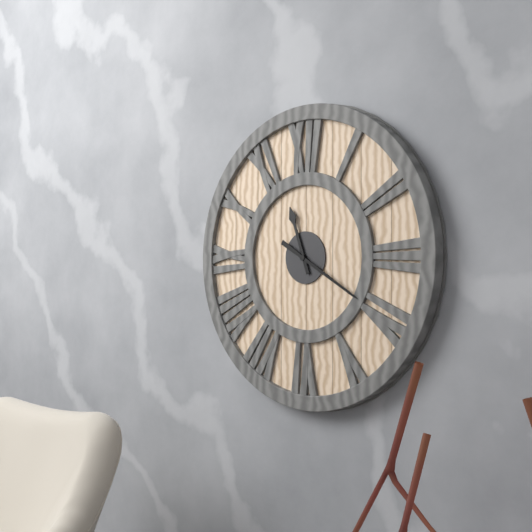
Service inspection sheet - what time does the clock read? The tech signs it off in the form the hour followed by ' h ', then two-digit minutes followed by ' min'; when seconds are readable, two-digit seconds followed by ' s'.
11 h 20 min
